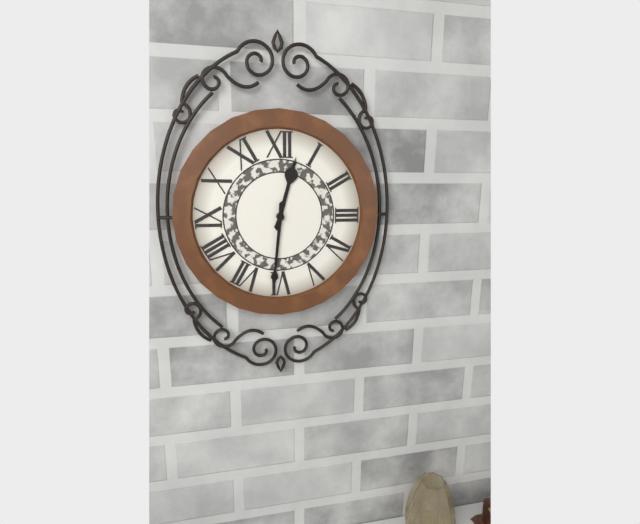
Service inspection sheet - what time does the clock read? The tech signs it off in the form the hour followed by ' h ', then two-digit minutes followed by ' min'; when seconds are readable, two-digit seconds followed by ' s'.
12 h 31 min
